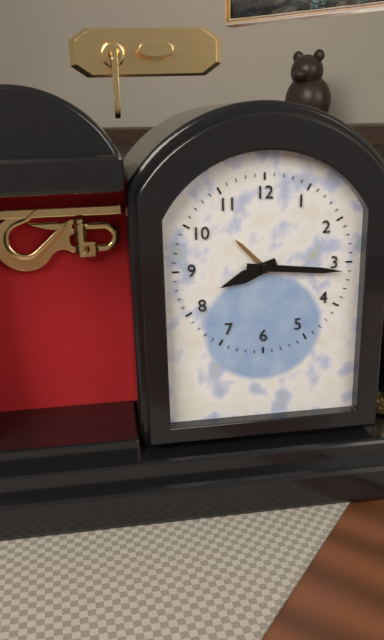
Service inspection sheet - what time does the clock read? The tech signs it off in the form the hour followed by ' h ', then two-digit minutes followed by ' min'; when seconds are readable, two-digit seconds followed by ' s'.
8 h 16 min
